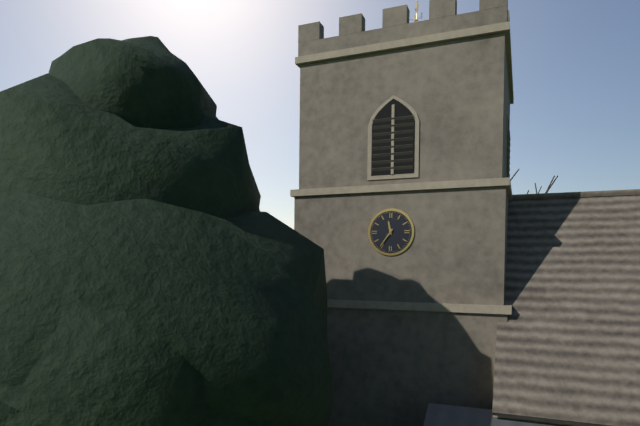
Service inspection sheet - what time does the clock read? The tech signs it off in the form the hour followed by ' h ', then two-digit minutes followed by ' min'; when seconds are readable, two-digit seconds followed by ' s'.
11 h 36 min
